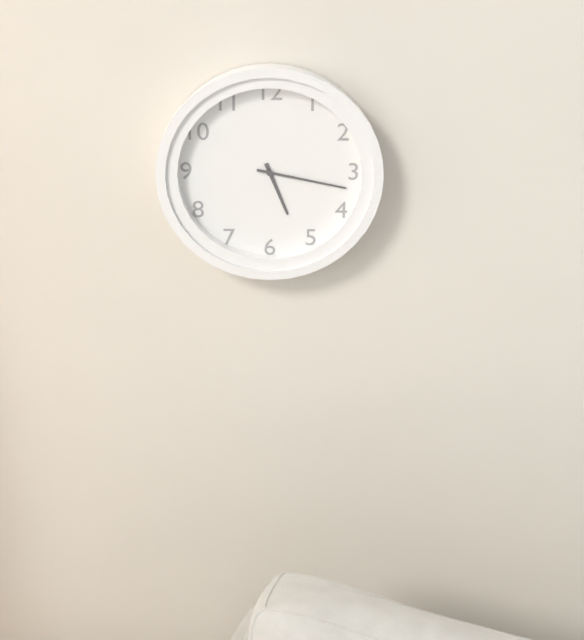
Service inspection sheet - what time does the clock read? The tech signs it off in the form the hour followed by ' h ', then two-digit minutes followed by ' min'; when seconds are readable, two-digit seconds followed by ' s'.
5 h 17 min
